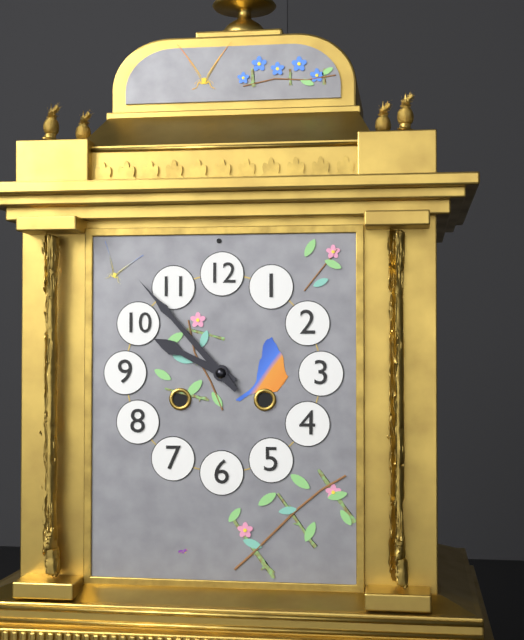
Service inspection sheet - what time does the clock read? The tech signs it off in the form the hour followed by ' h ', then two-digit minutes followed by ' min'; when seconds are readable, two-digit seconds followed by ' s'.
9 h 53 min
